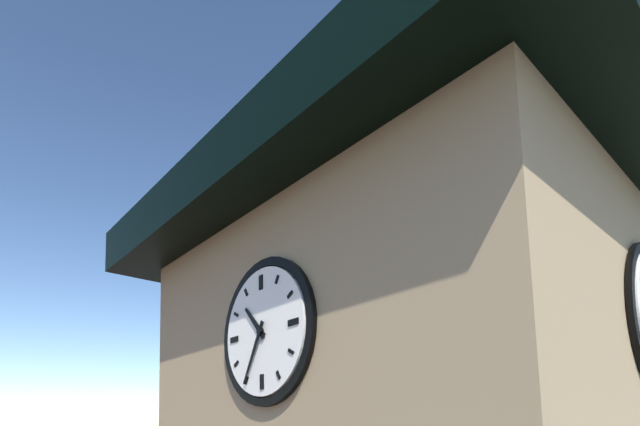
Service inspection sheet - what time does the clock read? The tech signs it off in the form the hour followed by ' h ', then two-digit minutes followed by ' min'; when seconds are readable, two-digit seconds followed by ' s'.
10 h 35 min
